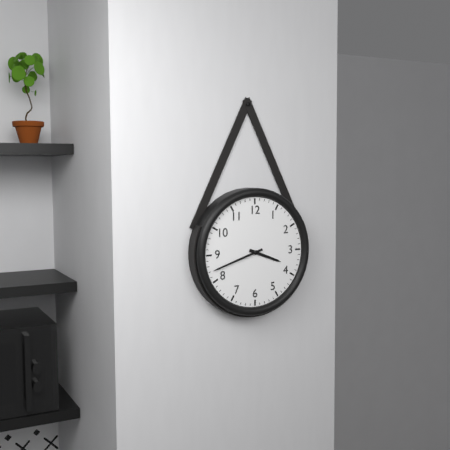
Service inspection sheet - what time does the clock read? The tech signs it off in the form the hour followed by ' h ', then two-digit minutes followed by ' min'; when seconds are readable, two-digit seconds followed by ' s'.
3 h 42 min
